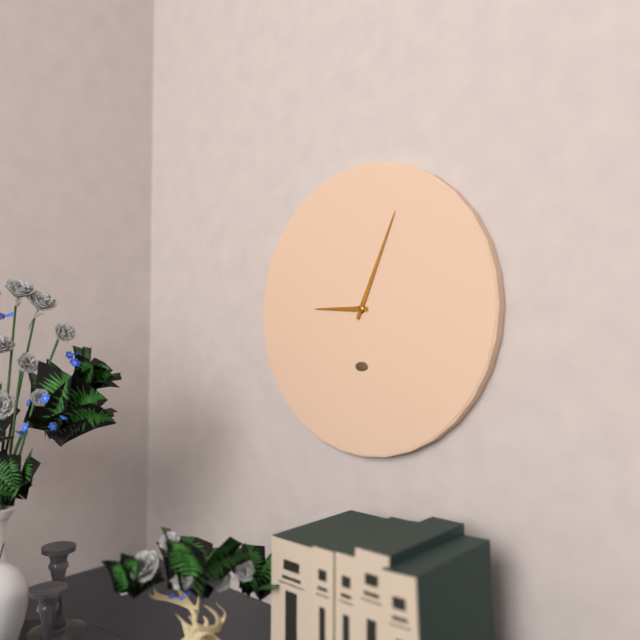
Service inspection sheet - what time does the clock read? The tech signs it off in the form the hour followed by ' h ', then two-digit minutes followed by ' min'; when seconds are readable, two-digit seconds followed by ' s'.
9 h 04 min
